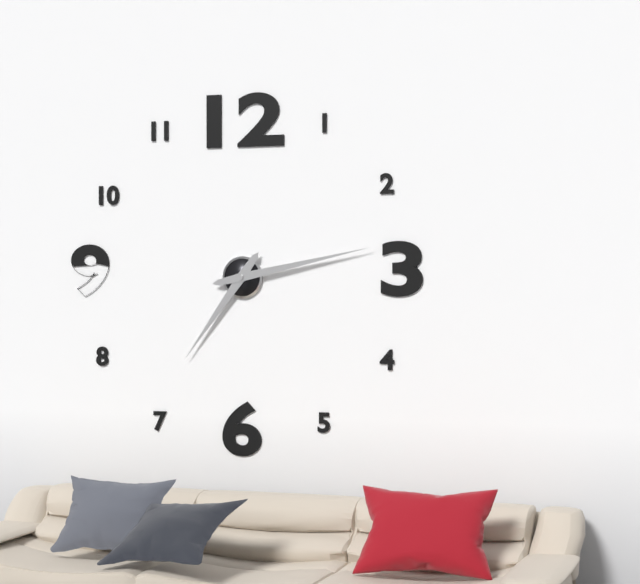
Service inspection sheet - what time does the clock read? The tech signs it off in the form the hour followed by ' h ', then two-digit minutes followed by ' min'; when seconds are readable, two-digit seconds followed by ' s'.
7 h 13 min
